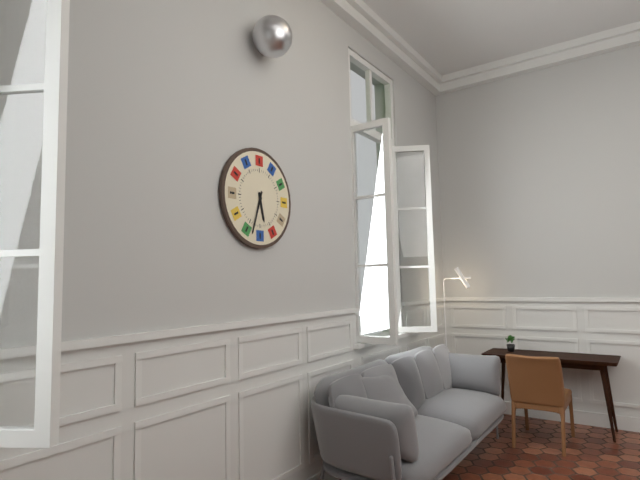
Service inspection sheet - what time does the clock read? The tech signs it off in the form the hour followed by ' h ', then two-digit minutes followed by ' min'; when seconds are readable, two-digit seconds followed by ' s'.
5 h 33 min
